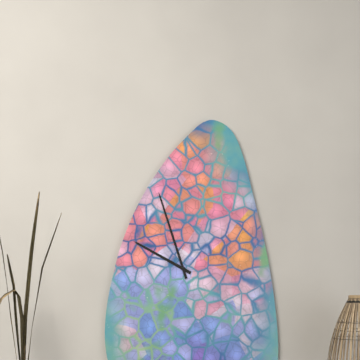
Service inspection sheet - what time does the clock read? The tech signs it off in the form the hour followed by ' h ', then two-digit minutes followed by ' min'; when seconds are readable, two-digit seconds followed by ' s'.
9 h 57 min
